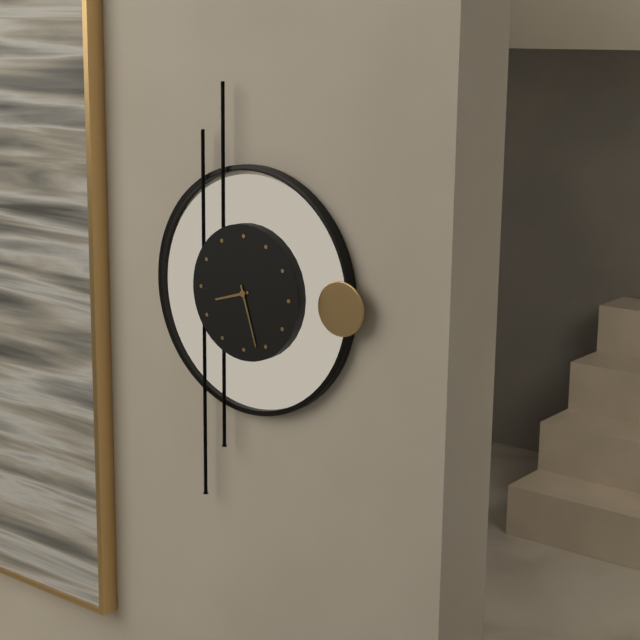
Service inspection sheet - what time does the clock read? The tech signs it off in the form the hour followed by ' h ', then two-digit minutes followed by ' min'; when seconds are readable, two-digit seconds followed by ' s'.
8 h 27 min
